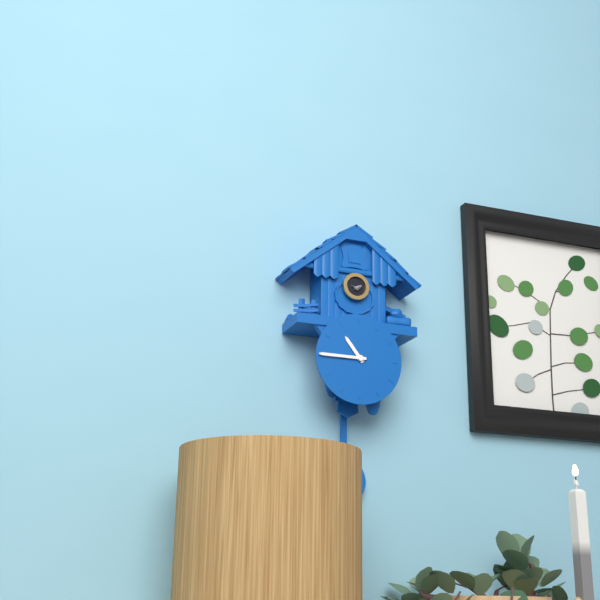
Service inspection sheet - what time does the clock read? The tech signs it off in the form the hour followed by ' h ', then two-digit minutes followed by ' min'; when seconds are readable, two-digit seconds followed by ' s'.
10 h 45 min
